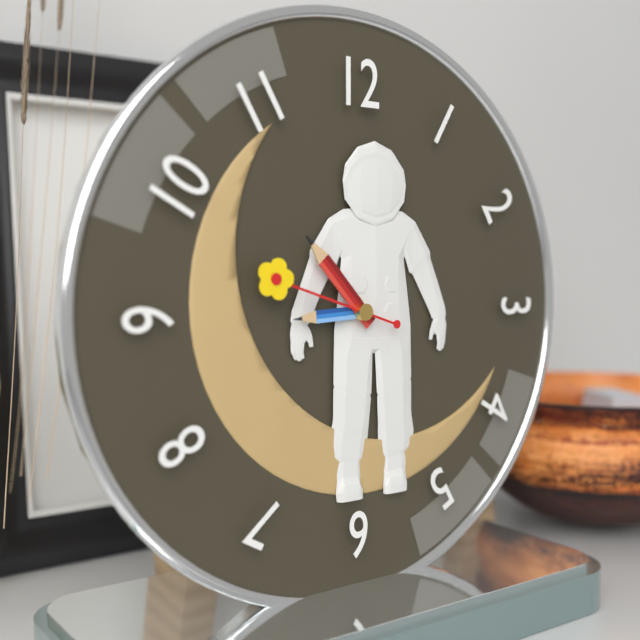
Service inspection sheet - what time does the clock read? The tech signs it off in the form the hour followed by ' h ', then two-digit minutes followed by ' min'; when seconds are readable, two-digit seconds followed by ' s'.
8 h 53 min 48 s
